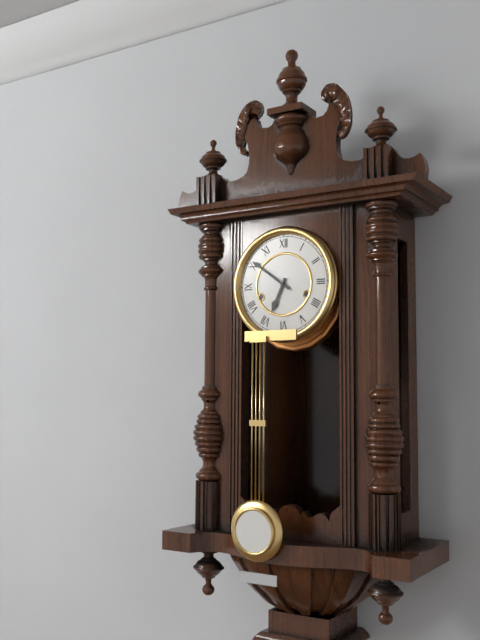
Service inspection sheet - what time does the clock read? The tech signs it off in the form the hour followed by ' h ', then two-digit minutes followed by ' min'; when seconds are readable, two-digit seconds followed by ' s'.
6 h 51 min
